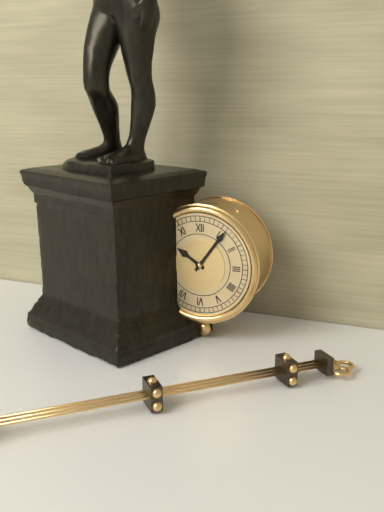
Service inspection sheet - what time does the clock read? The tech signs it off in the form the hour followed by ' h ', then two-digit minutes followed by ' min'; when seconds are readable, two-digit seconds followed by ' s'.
10 h 06 min
